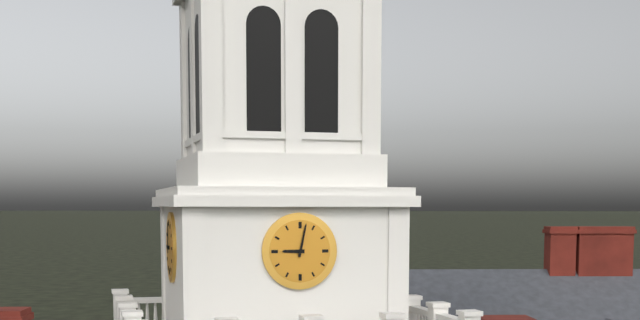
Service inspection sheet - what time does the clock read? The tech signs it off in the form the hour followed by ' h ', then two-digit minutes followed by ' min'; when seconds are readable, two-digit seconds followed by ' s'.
9 h 02 min
